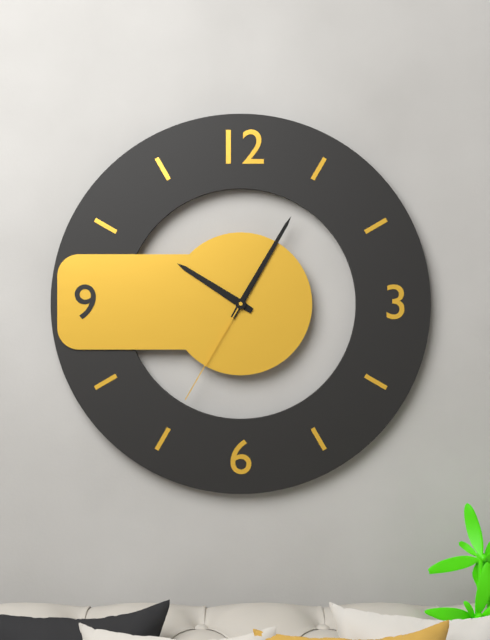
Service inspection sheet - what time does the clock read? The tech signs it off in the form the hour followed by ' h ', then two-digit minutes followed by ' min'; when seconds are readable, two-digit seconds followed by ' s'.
10 h 05 min 35 s
